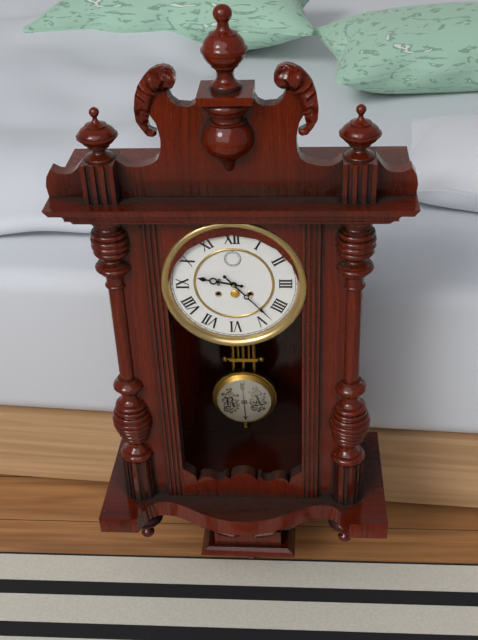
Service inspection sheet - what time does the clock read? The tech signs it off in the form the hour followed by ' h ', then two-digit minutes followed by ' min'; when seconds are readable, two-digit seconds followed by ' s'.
9 h 23 min
